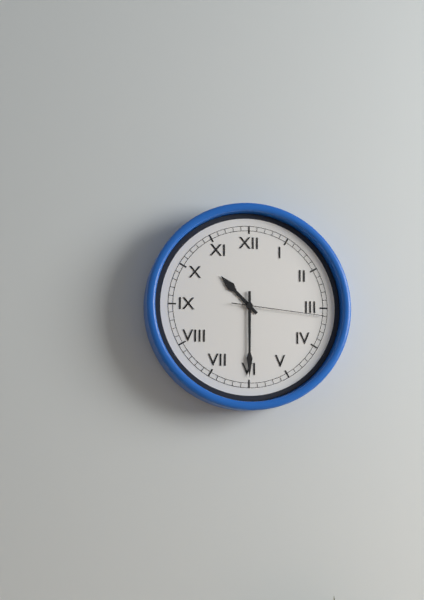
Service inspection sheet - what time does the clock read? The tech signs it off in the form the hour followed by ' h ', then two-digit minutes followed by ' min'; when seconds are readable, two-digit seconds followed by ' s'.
10 h 30 min 16 s
